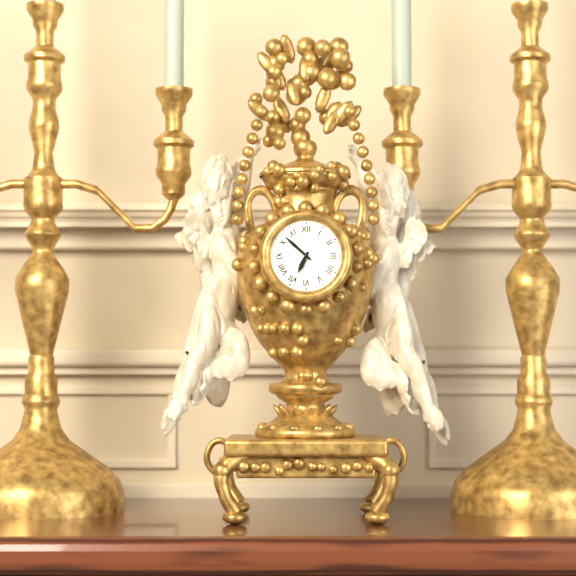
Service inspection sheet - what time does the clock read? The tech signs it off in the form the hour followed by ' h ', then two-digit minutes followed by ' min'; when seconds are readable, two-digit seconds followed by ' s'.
6 h 52 min
